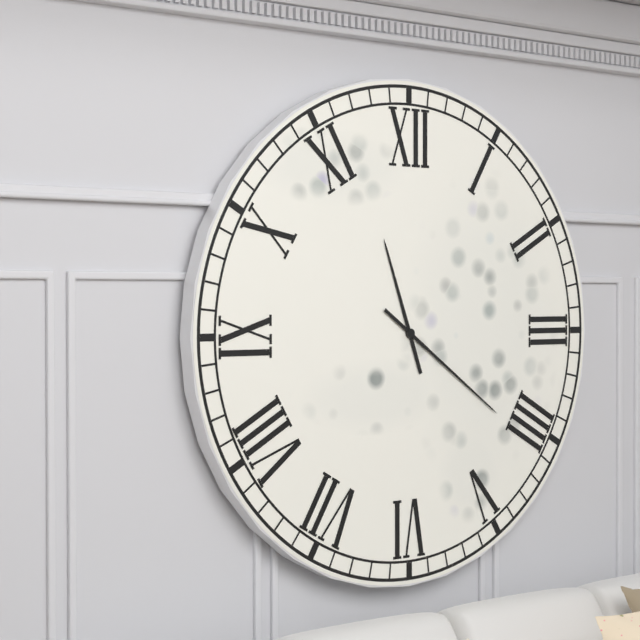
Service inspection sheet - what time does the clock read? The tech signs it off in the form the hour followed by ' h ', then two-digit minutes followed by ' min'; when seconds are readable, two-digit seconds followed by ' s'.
11 h 21 min
